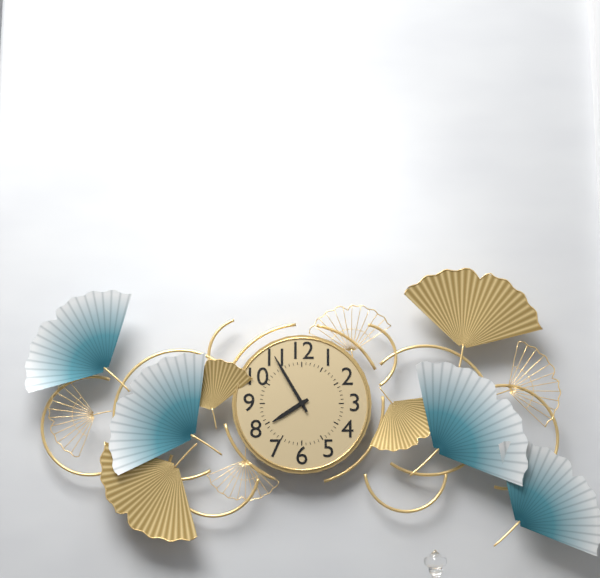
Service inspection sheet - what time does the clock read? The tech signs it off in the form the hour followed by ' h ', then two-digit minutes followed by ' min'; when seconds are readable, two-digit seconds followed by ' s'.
7 h 55 min
